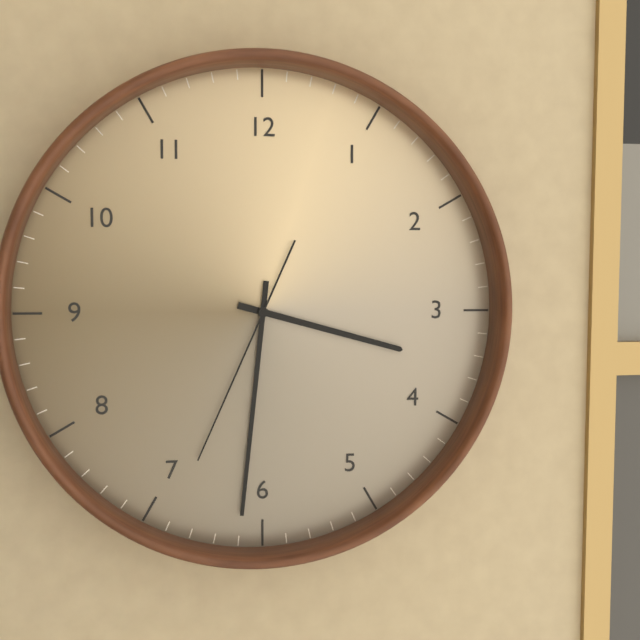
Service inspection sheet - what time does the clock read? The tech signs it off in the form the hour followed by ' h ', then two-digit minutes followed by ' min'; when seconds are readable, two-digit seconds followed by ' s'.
3 h 31 min 34 s
